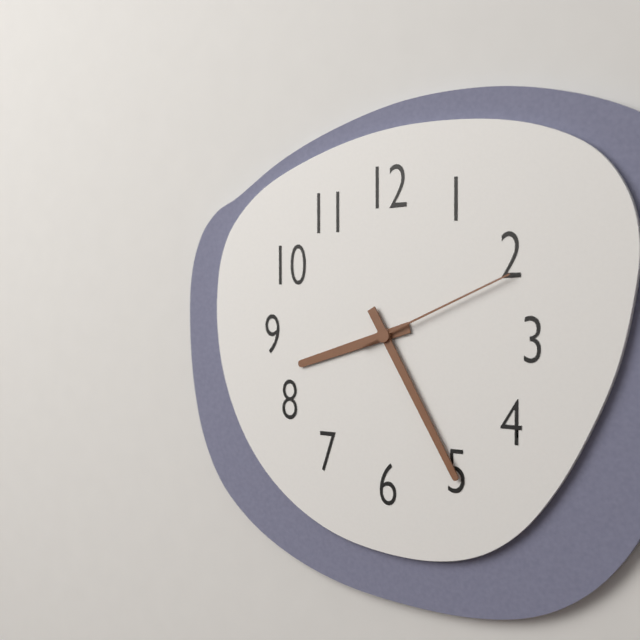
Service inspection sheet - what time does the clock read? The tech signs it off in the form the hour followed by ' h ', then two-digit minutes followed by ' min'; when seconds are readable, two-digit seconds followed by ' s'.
8 h 25 min 11 s
